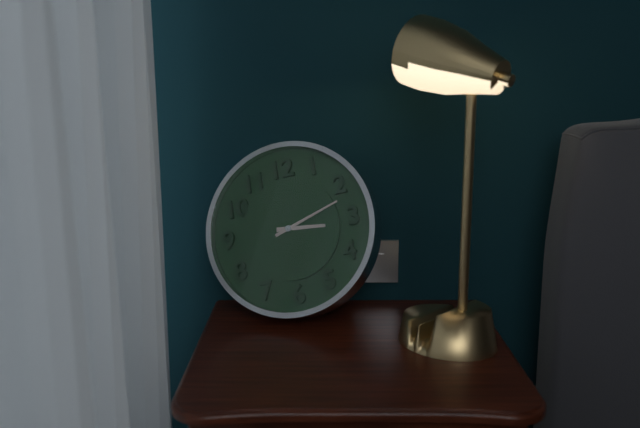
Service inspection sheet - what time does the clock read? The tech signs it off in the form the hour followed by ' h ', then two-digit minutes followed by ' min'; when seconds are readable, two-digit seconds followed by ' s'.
3 h 12 min
